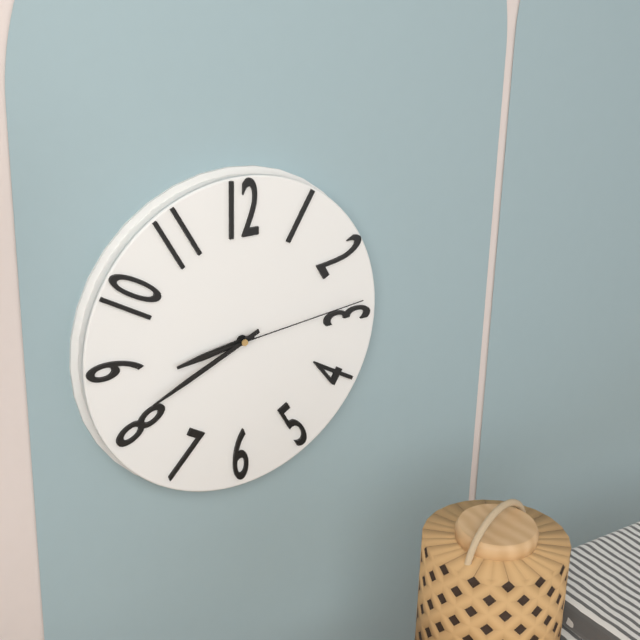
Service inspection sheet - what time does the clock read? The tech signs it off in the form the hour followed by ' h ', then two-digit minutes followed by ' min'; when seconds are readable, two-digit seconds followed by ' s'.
8 h 41 min 14 s
